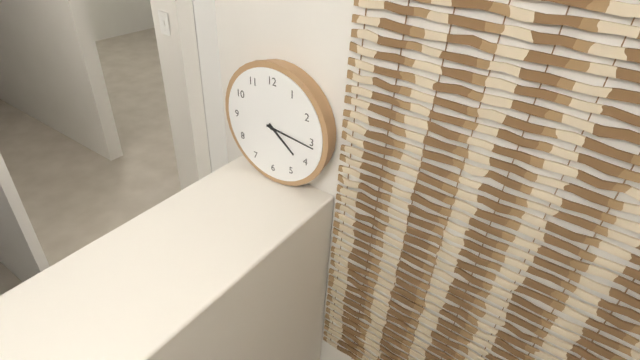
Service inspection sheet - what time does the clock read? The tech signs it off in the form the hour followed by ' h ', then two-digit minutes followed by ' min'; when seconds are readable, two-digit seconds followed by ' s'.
4 h 16 min
